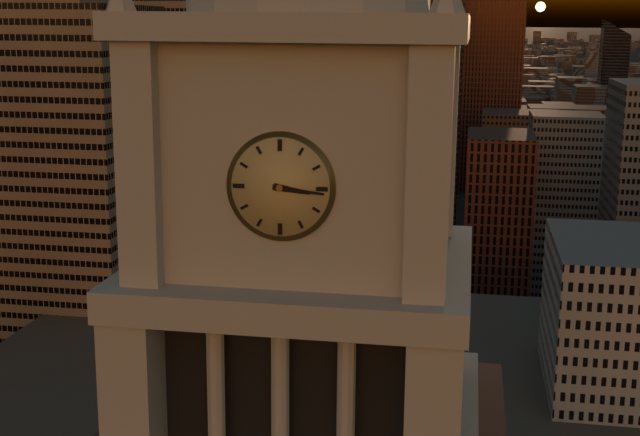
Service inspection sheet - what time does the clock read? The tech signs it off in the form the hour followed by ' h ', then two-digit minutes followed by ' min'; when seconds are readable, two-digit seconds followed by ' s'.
3 h 16 min
